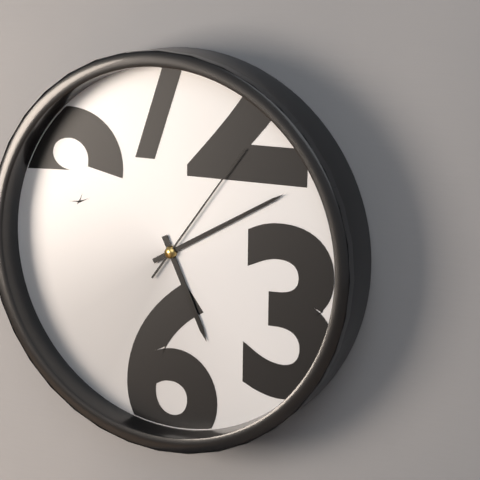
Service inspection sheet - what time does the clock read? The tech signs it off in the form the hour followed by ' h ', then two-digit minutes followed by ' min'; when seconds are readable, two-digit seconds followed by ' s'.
5 h 10 min 06 s
